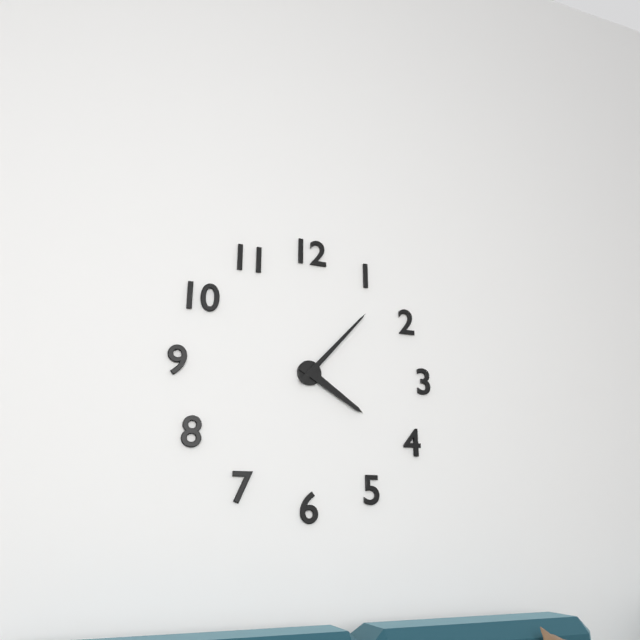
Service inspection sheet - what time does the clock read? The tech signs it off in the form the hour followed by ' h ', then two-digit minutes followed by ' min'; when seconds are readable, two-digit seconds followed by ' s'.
4 h 07 min
